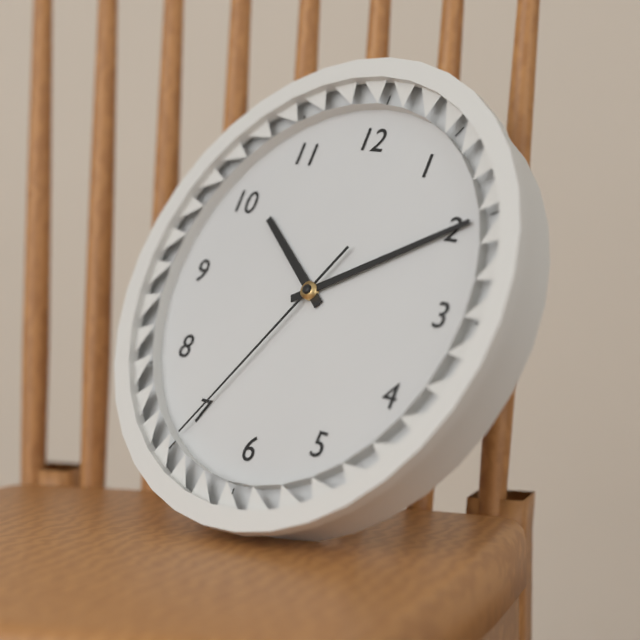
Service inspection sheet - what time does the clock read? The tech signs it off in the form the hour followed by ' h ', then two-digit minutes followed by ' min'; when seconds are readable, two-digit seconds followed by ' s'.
10 h 10 min 35 s
